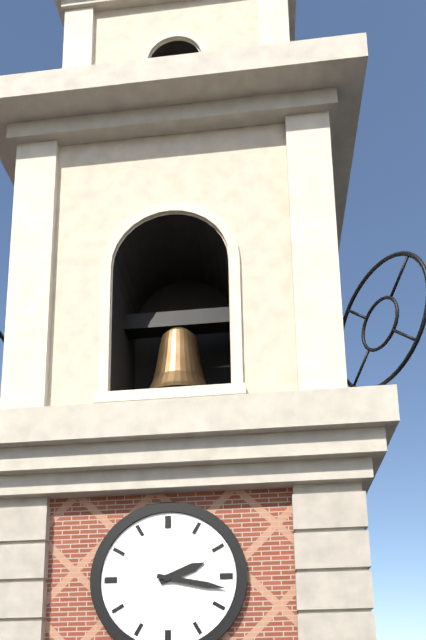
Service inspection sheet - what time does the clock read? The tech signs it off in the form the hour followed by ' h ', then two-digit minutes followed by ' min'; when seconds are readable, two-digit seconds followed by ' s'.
2 h 17 min
